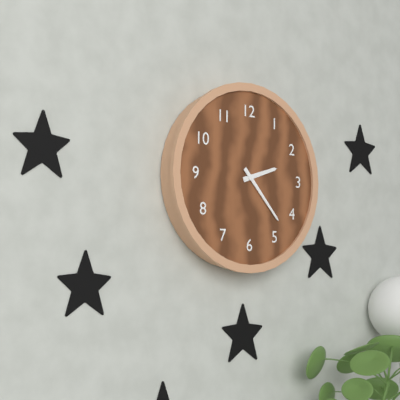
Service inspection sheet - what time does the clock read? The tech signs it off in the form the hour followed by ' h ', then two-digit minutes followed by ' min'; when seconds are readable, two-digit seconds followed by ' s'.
2 h 23 min
